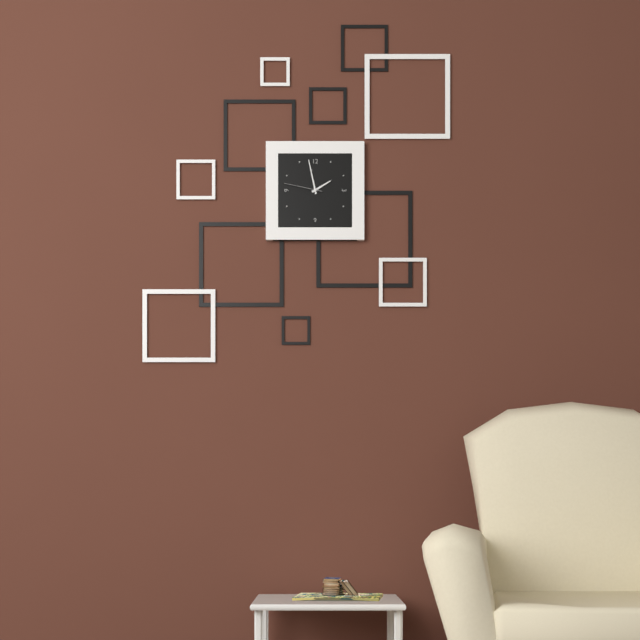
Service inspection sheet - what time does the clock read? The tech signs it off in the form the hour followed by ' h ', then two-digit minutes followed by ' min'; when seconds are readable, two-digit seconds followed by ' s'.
1 h 58 min
